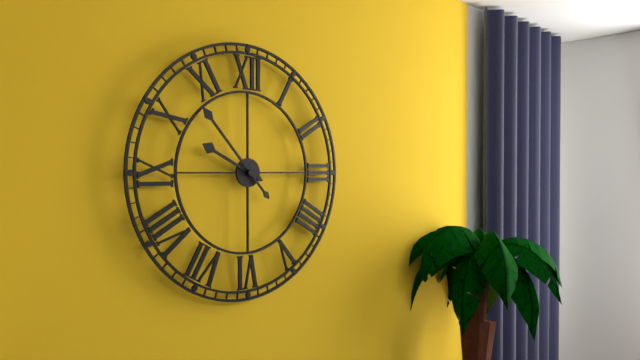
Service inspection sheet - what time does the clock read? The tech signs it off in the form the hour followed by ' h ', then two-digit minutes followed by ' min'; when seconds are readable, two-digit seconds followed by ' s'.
9 h 53 min
